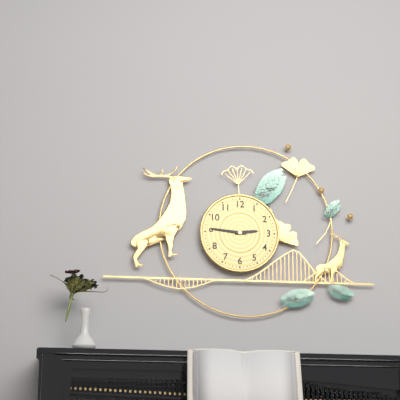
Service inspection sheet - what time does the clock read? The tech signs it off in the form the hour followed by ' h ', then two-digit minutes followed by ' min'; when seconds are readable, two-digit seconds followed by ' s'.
2 h 46 min
